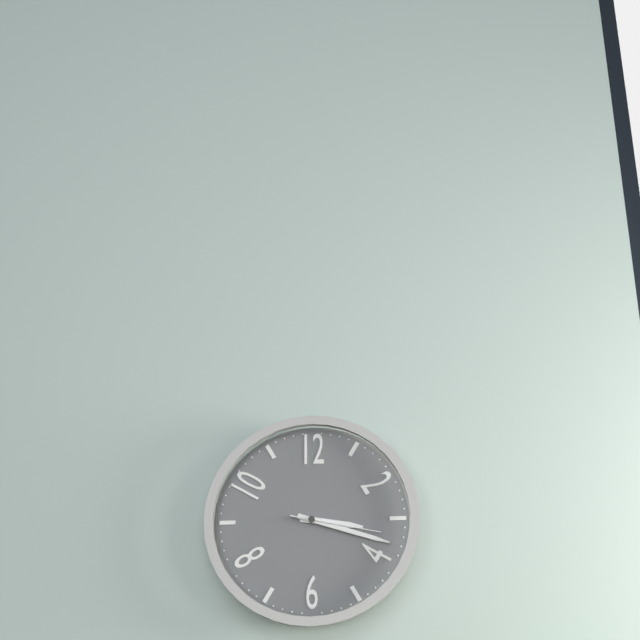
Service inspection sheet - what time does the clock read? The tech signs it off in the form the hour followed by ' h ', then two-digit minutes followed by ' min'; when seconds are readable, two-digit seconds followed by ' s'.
3 h 18 min 17 s
